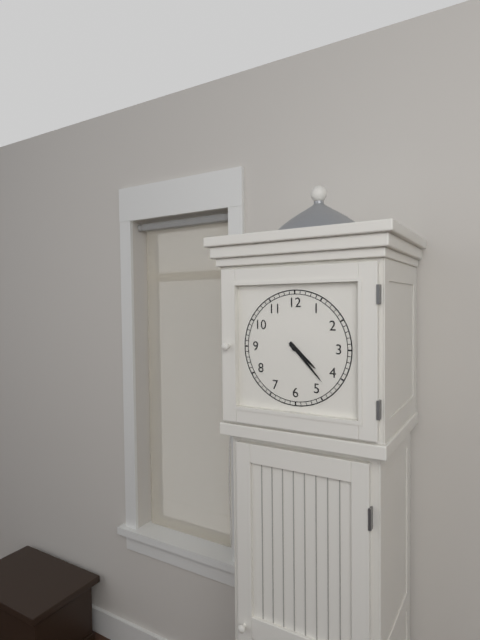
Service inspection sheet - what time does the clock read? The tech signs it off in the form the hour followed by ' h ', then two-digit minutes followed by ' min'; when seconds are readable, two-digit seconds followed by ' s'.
4 h 23 min
